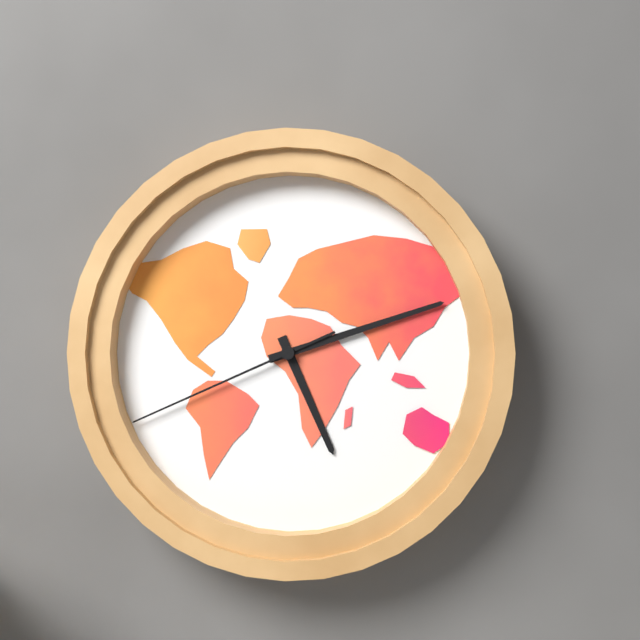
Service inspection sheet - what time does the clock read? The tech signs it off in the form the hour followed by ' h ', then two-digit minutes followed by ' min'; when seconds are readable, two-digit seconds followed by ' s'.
5 h 12 min 41 s
